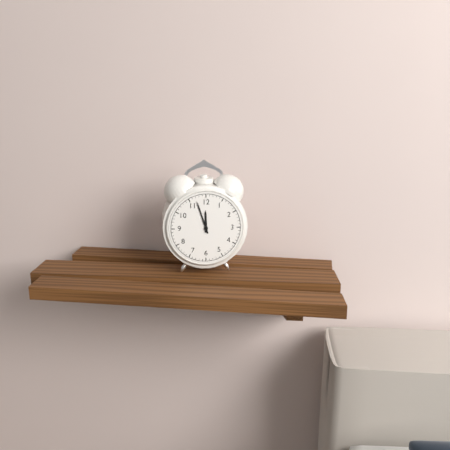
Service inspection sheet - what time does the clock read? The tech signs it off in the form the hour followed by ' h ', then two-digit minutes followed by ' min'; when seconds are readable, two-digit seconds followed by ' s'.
11 h 57 min
